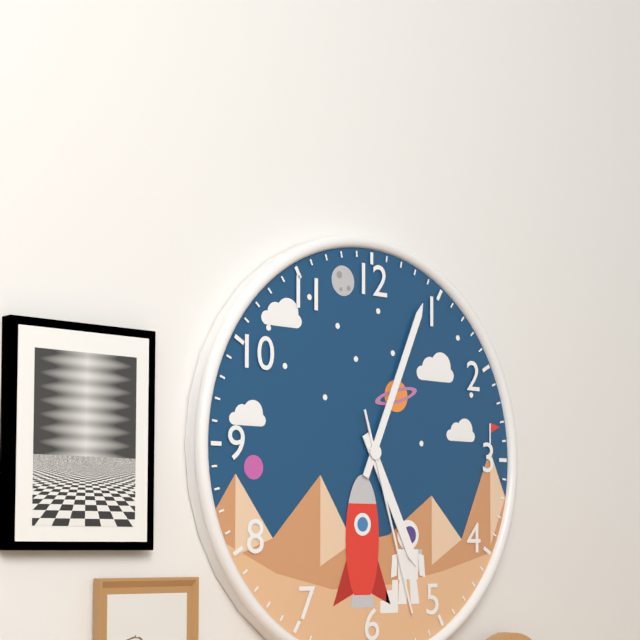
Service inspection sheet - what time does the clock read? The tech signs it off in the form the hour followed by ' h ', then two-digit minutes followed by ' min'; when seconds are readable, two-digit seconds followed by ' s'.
5 h 04 min 27 s
